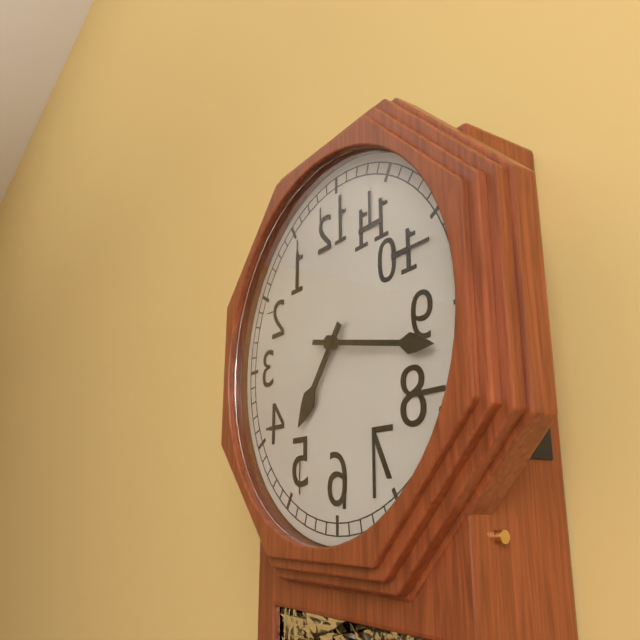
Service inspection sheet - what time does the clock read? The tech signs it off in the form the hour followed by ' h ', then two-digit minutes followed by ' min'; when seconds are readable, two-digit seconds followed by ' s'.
7 h 17 min
